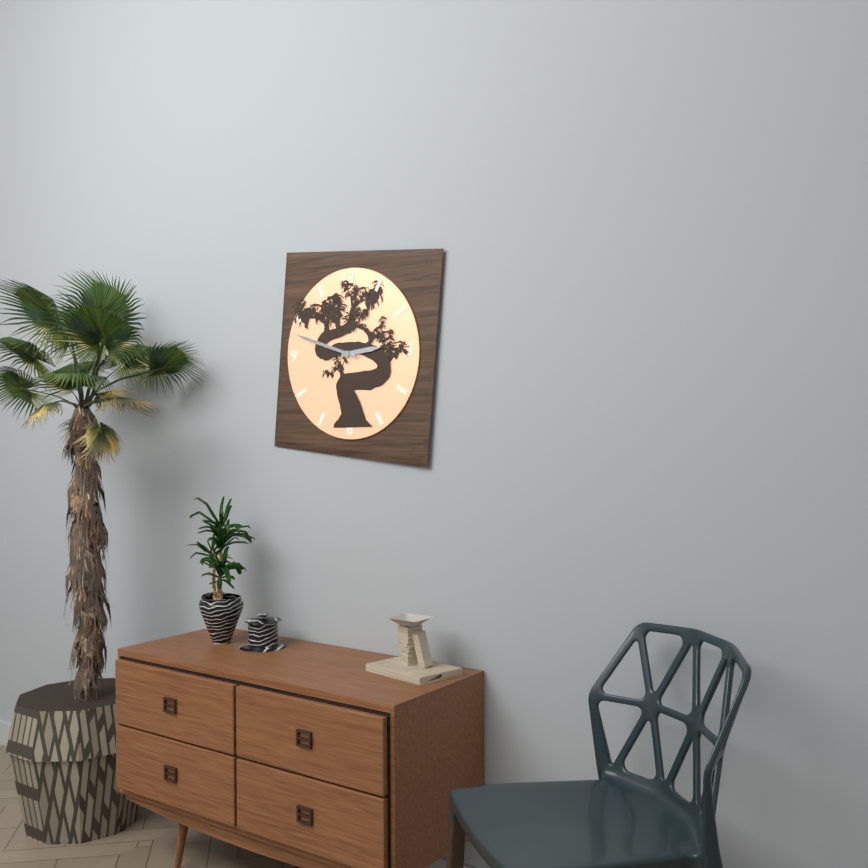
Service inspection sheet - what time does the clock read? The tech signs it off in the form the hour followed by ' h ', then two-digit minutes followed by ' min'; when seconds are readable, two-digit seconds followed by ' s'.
2 h 48 min
